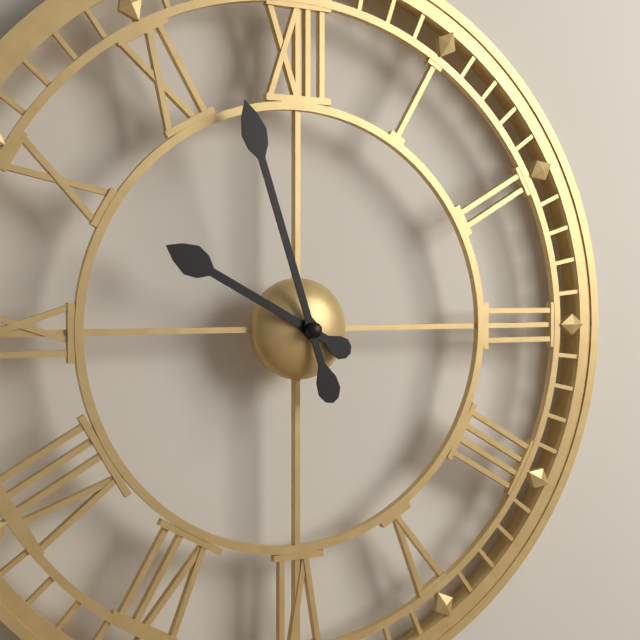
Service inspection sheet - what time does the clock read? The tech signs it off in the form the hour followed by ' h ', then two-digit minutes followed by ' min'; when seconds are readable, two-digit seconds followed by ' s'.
9 h 57 min
